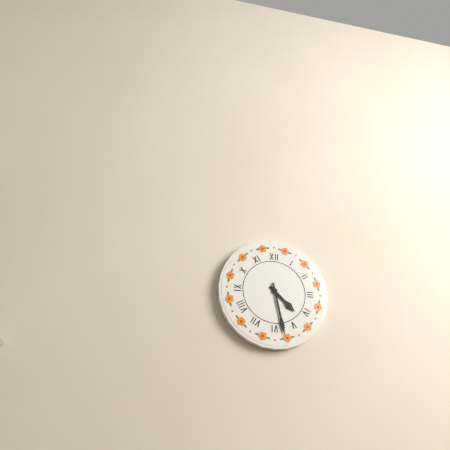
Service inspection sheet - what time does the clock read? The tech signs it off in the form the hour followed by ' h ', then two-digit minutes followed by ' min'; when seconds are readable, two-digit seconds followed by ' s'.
4 h 28 min
